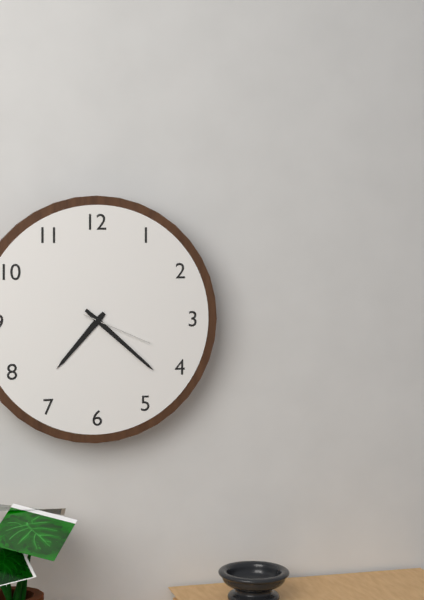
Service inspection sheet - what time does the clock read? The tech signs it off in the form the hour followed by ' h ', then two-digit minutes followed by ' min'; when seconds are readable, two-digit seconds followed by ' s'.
7 h 22 min 19 s
